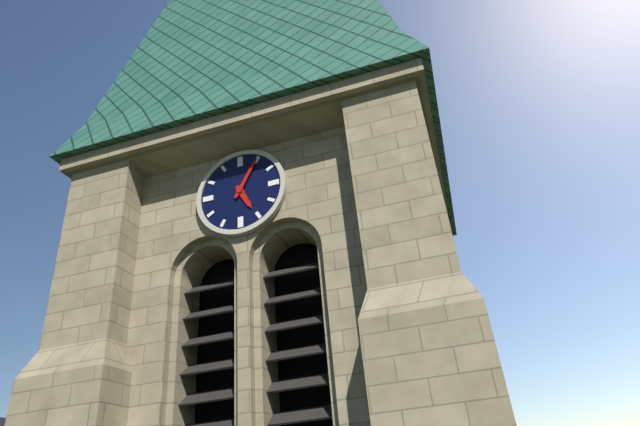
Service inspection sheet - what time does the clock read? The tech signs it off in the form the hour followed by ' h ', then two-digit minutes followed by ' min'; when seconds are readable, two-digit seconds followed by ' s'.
5 h 05 min
